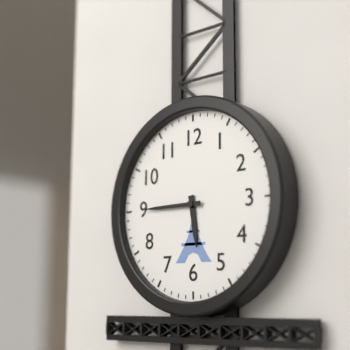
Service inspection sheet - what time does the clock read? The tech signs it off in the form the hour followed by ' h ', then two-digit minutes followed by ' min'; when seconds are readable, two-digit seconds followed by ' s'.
5 h 45 min
